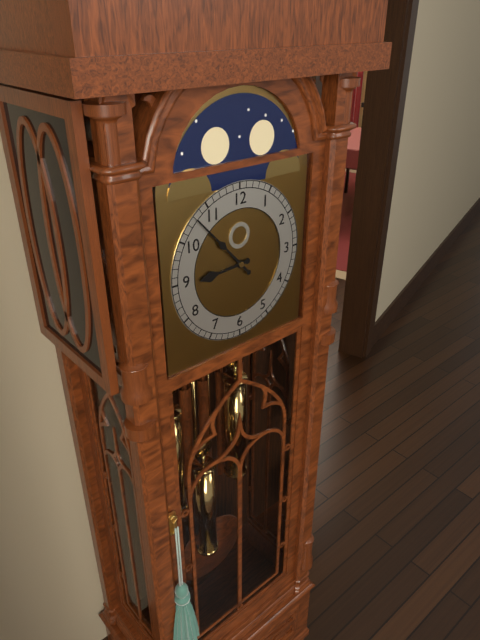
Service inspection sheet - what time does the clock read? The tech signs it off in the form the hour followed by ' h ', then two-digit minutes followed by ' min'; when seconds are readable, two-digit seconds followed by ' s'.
8 h 53 min
